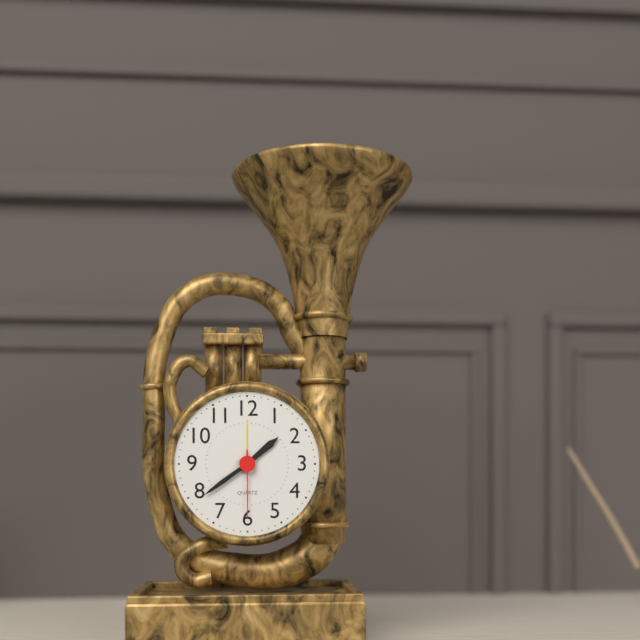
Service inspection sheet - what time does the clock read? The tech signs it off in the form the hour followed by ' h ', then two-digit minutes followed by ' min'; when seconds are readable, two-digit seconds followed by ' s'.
1 h 39 min 30 s
